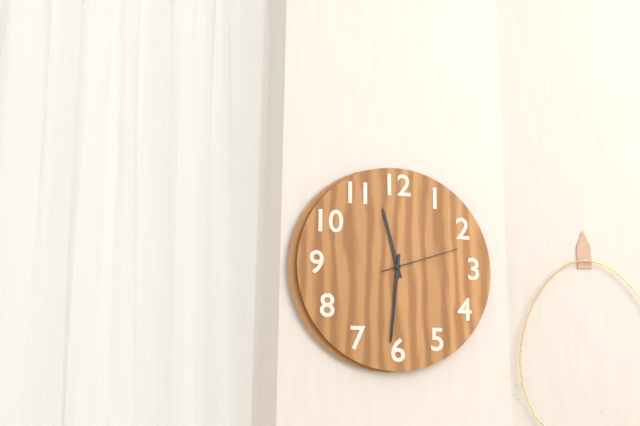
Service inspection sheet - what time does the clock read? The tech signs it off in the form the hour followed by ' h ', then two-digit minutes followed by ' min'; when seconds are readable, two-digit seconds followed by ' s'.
11 h 31 min 12 s
